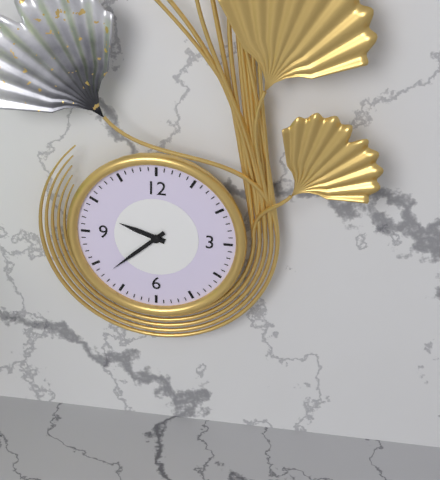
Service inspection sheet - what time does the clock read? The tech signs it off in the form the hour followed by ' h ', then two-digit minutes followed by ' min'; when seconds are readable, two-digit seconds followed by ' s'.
9 h 38 min
